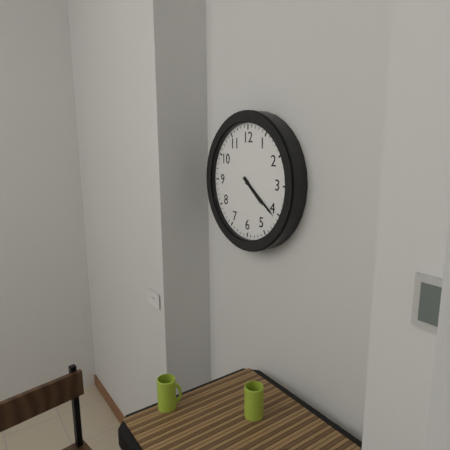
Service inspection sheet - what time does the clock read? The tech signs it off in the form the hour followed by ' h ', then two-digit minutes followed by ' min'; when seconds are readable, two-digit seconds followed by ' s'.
4 h 21 min
